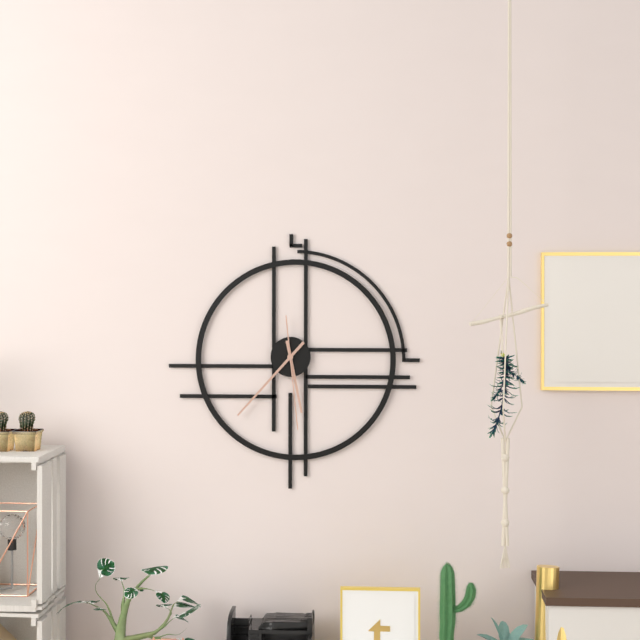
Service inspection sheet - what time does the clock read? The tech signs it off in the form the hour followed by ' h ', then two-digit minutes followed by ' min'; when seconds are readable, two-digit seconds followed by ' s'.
5 h 37 min 29 s
